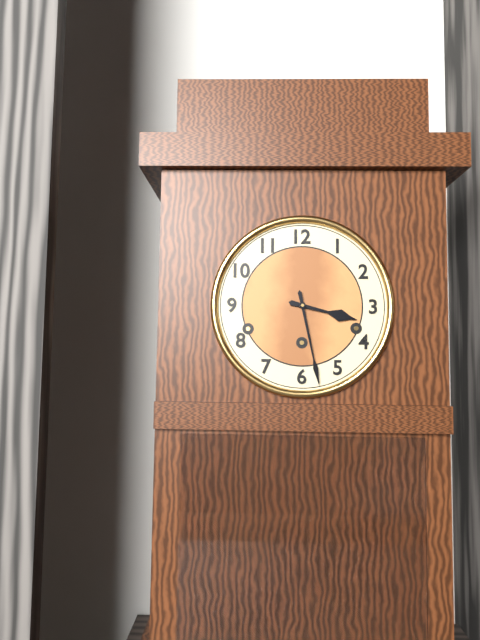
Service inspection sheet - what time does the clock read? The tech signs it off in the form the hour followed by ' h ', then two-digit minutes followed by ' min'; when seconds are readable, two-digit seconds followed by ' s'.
3 h 28 min
